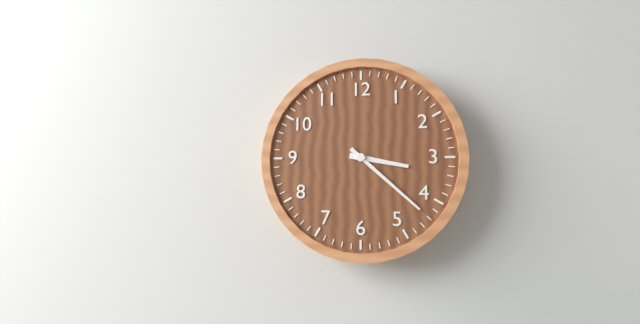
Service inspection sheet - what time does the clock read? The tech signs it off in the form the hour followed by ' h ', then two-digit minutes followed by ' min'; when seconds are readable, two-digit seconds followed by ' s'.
3 h 22 min
